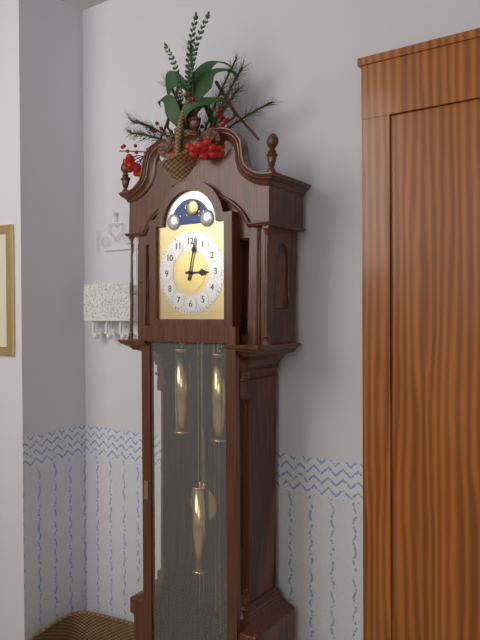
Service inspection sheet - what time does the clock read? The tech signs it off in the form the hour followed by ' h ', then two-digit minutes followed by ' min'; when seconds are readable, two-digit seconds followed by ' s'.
3 h 02 min
